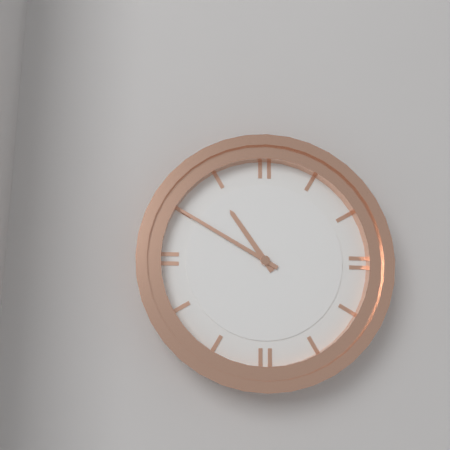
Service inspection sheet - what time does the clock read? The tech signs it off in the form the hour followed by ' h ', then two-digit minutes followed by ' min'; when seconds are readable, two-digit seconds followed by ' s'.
10 h 50 min
